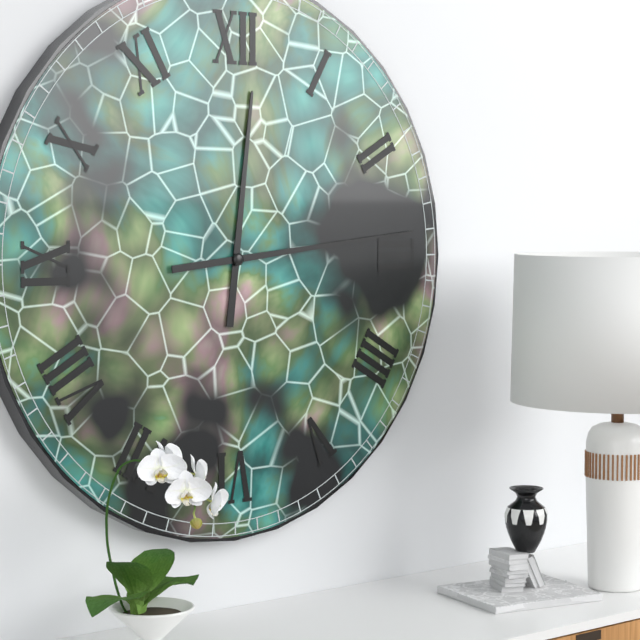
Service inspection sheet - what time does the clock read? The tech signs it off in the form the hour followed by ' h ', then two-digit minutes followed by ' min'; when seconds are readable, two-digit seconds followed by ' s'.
12 h 14 min
